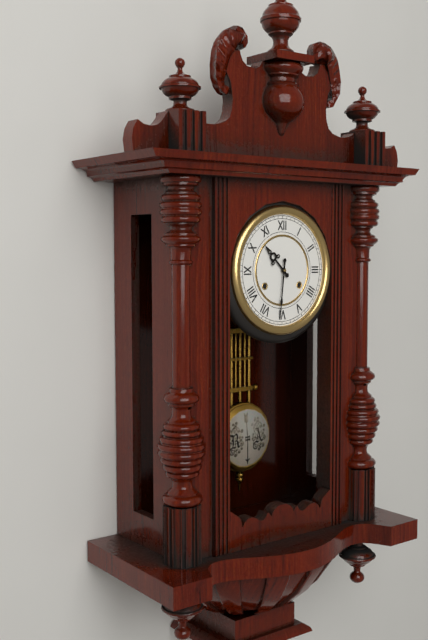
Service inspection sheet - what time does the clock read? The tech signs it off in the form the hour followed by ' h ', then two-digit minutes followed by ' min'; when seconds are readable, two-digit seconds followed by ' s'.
10 h 31 min
